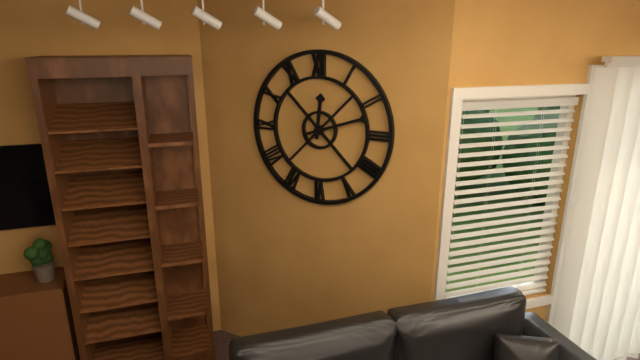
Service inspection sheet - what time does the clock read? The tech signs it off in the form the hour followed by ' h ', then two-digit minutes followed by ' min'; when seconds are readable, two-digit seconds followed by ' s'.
12 h 12 min
